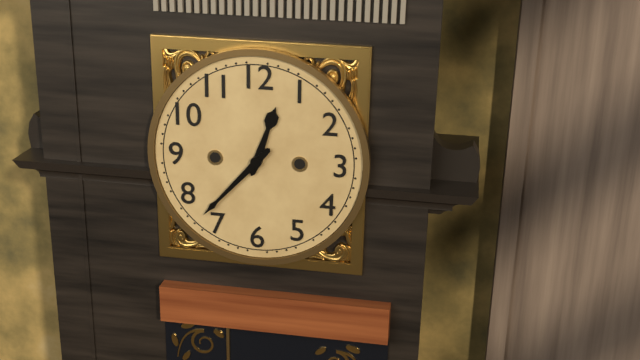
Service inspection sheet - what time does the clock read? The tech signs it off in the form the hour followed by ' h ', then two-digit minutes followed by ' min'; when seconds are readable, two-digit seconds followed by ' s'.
12 h 37 min
